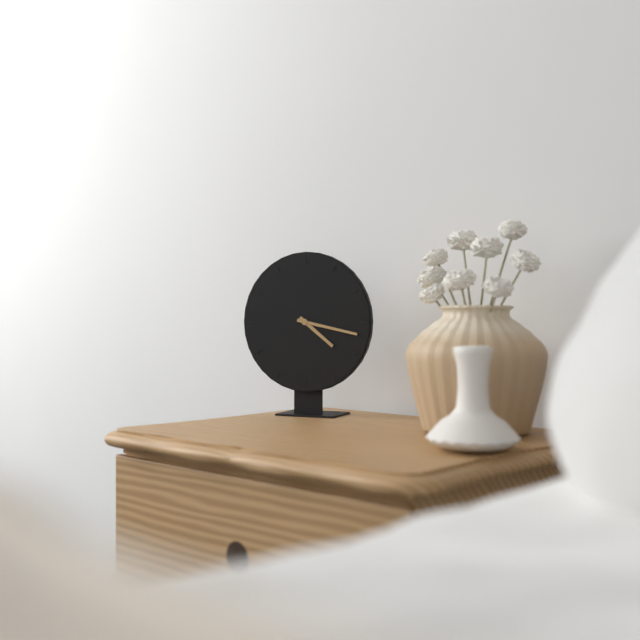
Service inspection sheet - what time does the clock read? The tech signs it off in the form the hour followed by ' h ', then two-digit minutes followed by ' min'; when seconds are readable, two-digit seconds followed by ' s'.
4 h 17 min
